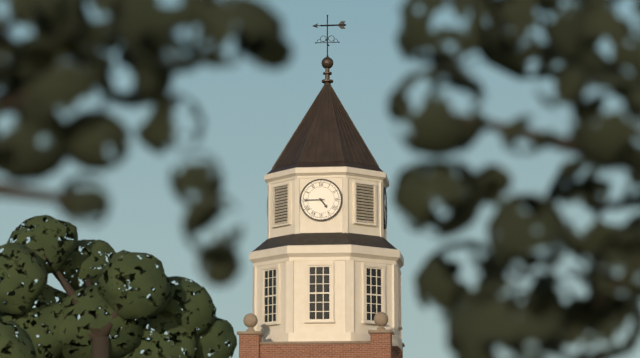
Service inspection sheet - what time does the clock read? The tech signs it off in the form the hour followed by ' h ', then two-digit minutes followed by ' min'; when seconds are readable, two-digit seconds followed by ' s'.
4 h 45 min
